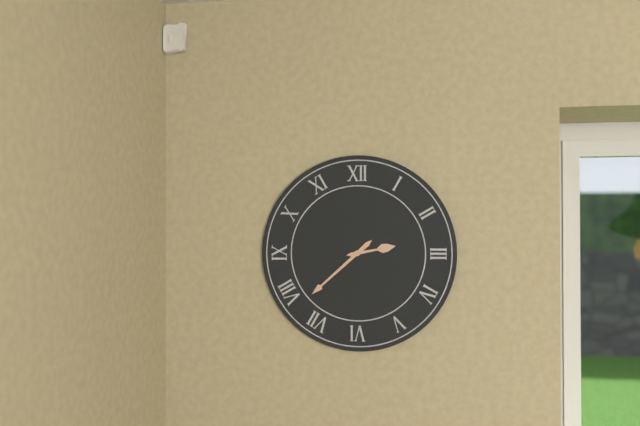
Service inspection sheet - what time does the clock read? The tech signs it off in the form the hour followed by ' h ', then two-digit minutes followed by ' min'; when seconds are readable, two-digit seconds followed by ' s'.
2 h 38 min
